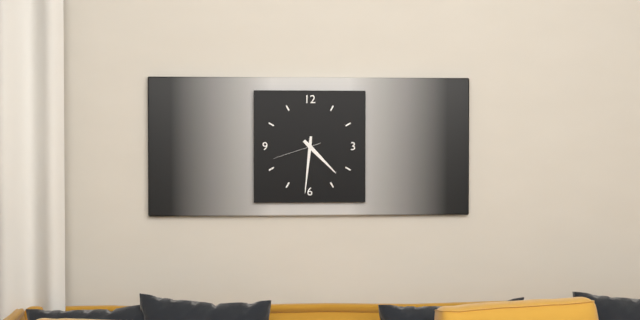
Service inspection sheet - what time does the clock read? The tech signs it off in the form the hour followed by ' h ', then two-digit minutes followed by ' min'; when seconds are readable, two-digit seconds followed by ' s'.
4 h 31 min
